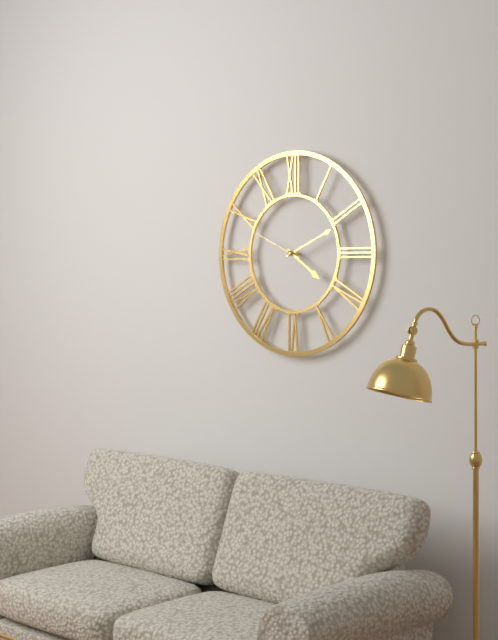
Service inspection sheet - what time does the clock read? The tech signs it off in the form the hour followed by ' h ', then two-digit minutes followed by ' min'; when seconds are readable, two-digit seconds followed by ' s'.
4 h 11 min 49 s
